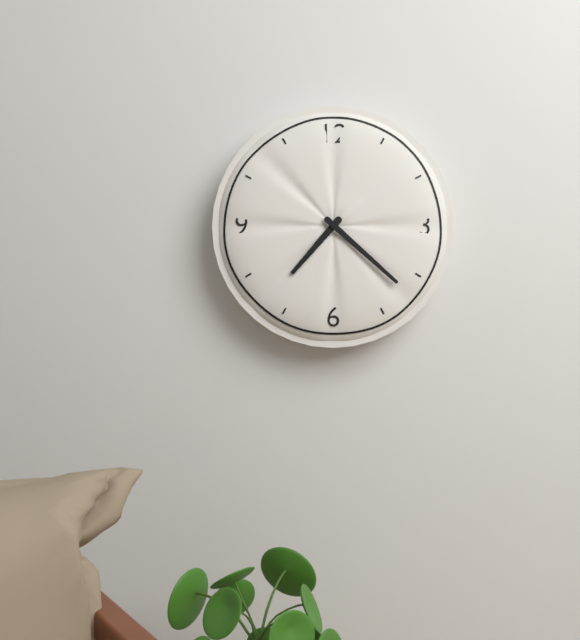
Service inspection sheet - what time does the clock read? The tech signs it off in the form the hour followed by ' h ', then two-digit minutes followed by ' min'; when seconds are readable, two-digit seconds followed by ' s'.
7 h 22 min
